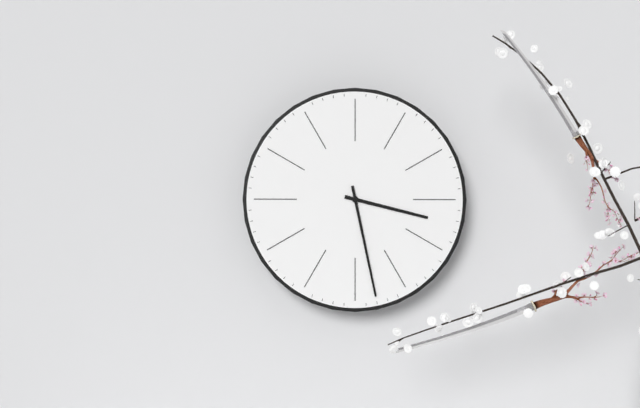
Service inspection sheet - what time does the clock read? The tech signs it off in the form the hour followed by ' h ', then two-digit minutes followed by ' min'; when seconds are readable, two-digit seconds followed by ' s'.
3 h 28 min
